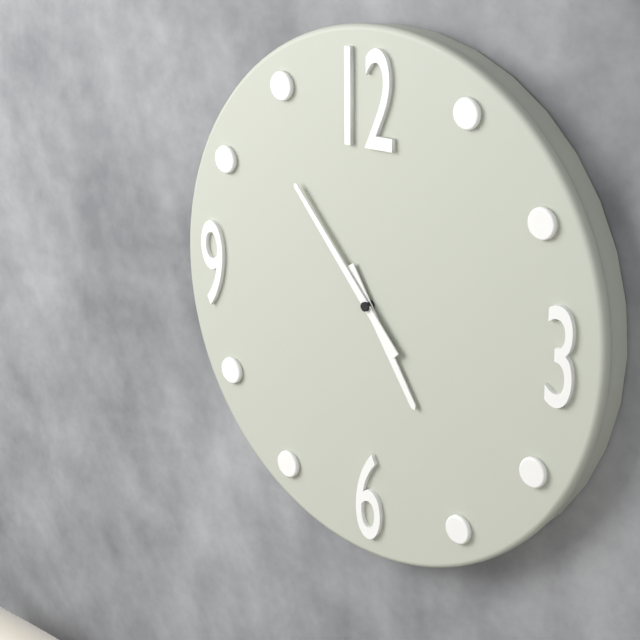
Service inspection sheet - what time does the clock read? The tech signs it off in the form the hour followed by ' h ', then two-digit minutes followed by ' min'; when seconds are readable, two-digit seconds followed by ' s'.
4 h 53 min
